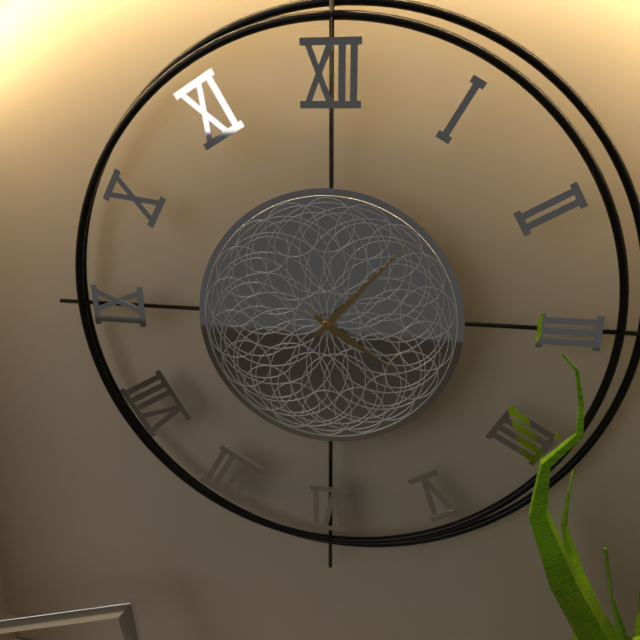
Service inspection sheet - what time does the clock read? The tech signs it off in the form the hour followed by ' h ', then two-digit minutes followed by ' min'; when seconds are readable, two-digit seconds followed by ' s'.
4 h 07 min
